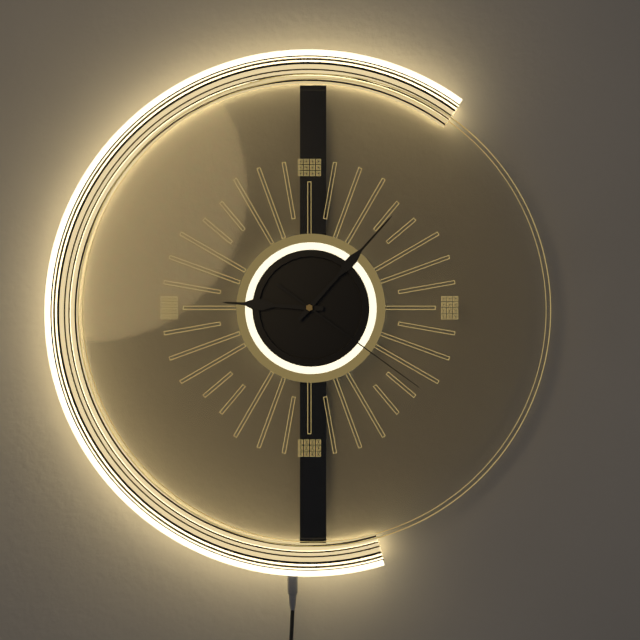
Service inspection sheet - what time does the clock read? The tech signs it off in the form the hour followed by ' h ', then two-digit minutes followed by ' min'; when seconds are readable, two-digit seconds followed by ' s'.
9 h 07 min 21 s
